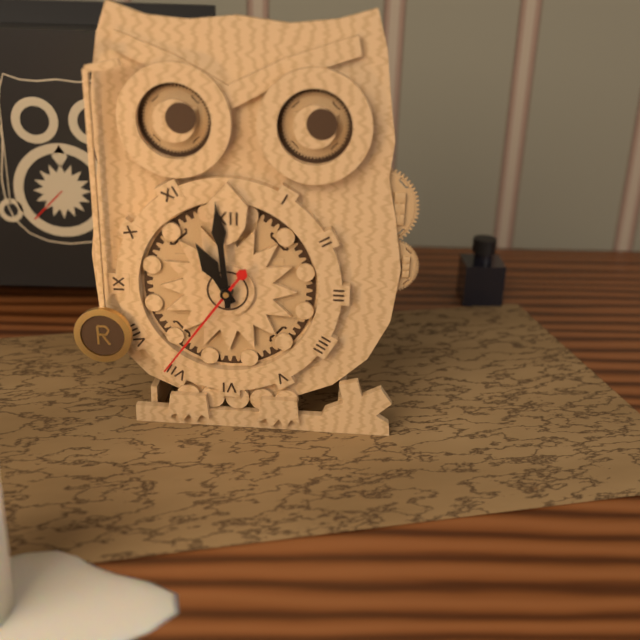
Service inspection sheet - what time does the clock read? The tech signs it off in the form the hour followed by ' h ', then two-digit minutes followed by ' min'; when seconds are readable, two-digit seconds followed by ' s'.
10 h 59 min 36 s
